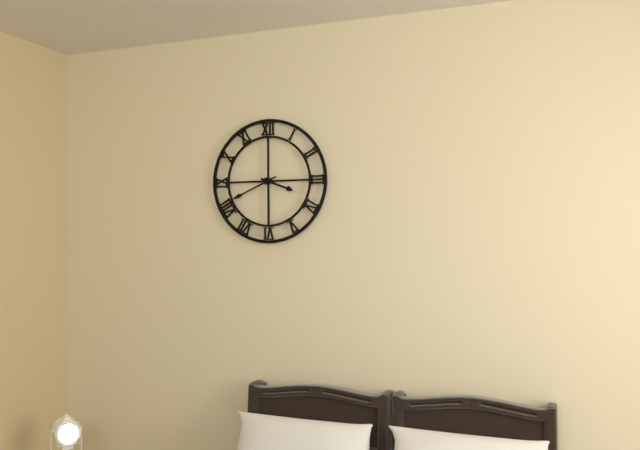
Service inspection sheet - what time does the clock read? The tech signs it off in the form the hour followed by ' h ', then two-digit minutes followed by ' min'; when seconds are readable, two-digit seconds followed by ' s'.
3 h 41 min
